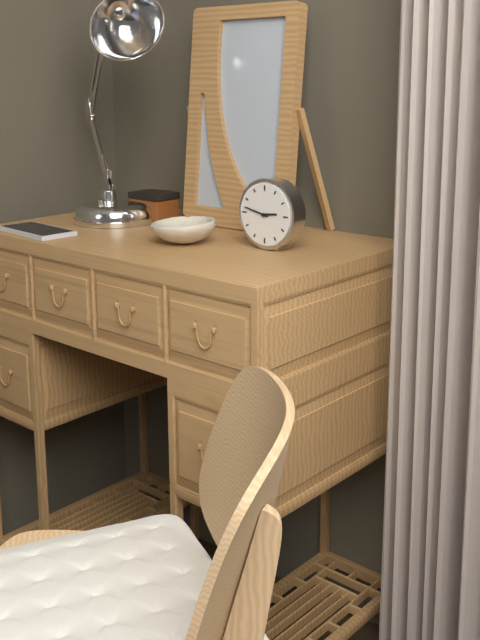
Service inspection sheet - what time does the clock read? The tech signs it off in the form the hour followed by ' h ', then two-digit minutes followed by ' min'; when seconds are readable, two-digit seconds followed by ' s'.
2 h 47 min
